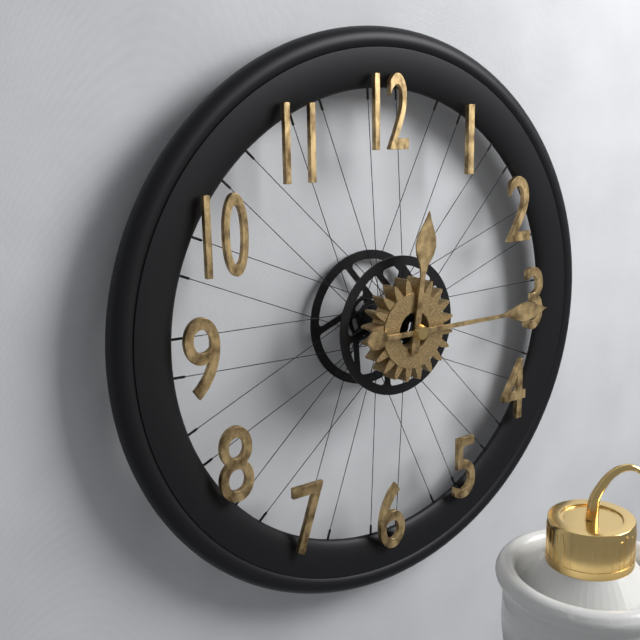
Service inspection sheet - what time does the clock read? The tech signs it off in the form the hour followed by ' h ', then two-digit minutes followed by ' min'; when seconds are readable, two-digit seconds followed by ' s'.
12 h 15 min
